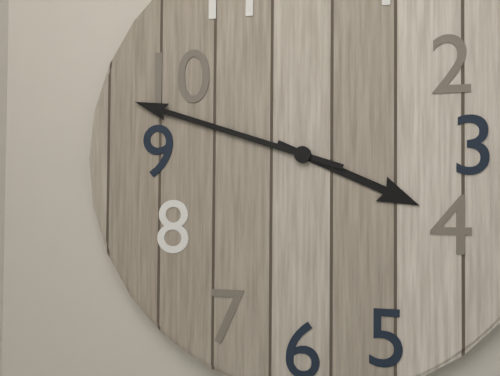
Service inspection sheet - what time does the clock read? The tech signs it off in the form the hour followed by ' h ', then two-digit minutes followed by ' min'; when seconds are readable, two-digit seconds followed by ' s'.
3 h 48 min
